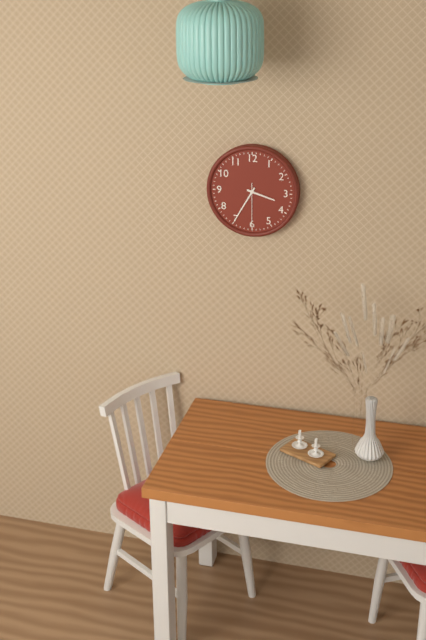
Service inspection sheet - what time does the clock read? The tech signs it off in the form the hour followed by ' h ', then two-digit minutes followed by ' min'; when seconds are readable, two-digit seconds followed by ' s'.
3 h 35 min
